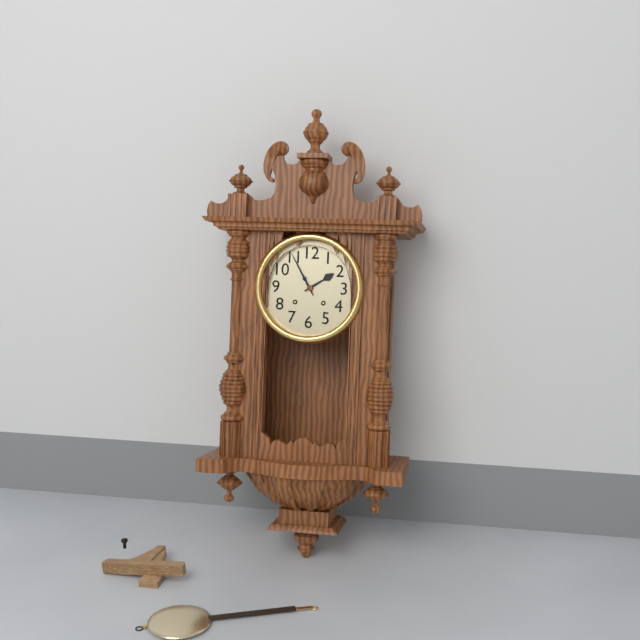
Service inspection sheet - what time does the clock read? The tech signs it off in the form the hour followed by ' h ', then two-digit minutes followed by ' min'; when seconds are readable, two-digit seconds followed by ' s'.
1 h 55 min
